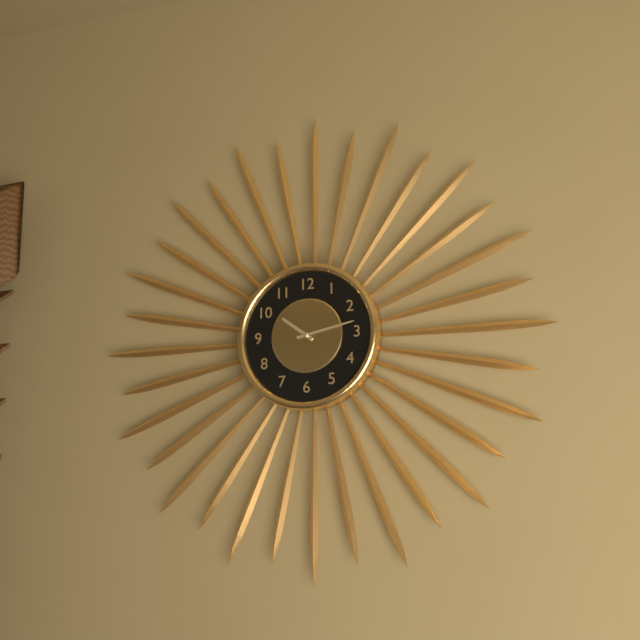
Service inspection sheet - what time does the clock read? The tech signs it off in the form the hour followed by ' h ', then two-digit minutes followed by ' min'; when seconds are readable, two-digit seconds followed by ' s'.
10 h 13 min
